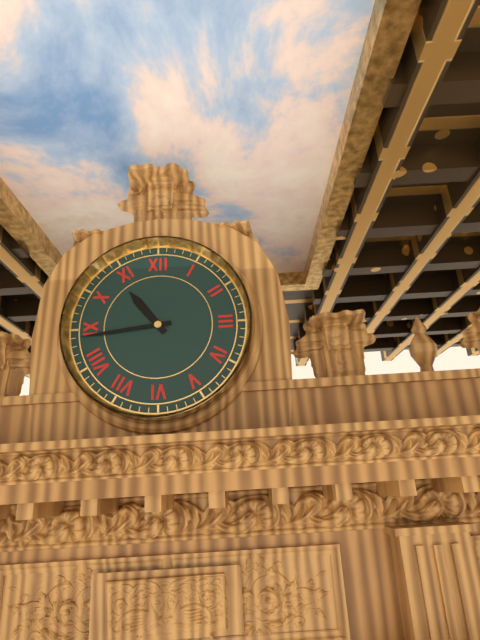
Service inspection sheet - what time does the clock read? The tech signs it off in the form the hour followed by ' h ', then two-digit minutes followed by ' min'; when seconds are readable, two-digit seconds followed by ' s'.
10 h 44 min
